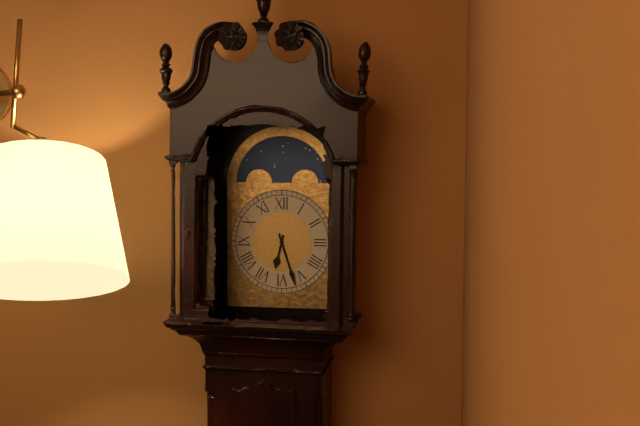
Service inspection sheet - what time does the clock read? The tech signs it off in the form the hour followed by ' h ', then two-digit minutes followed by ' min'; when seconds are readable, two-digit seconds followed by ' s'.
6 h 27 min
